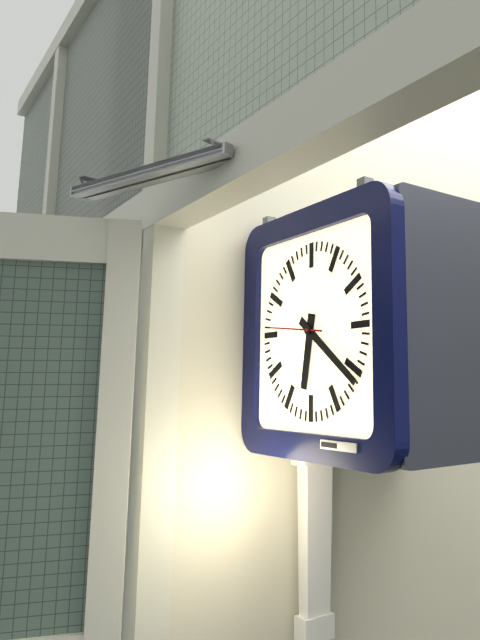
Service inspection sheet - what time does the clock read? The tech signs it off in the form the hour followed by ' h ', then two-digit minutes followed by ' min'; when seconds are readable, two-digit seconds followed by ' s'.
6 h 21 min
